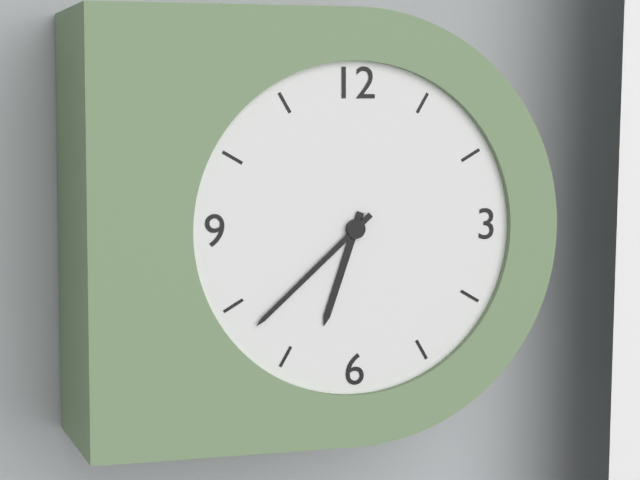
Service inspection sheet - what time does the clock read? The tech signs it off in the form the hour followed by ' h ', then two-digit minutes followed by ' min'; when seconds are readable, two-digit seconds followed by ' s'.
6 h 38 min
